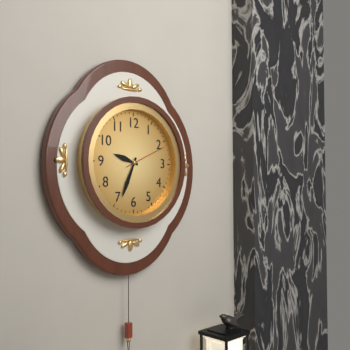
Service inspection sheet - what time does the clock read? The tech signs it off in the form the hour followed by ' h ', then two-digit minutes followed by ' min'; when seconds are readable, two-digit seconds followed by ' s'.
9 h 34 min
